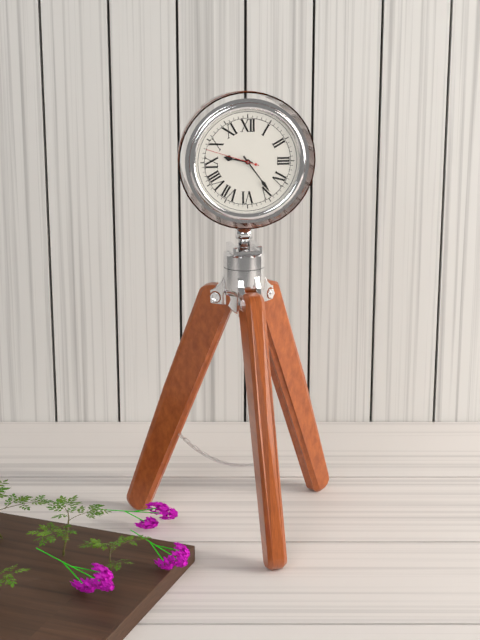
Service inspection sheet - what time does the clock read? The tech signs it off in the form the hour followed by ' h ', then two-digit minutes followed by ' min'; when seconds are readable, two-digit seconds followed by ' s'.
9 h 24 min
